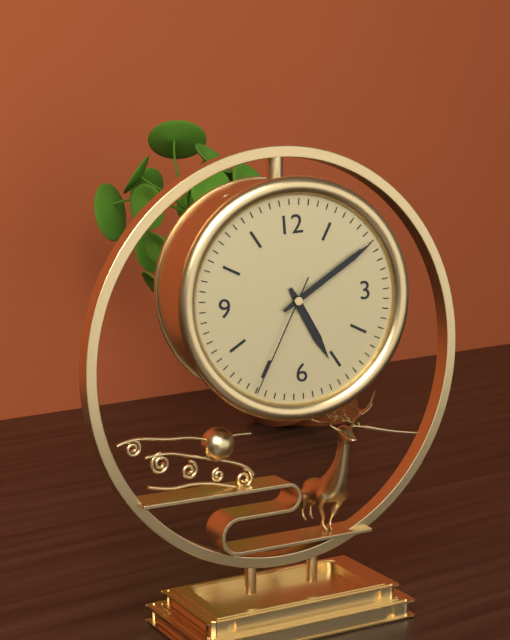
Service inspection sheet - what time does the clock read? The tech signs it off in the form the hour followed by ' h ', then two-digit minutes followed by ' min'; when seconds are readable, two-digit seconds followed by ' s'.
5 h 10 min 35 s
